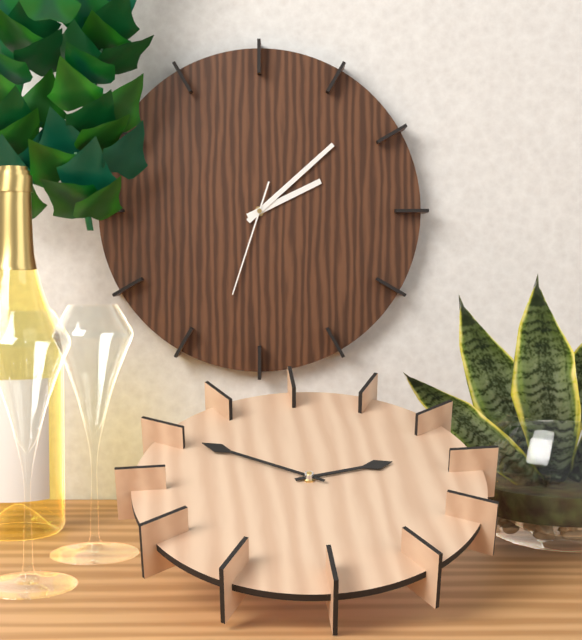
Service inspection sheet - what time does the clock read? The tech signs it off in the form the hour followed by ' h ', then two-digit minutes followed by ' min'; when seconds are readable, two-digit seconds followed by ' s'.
2 h 08 min 33 s
